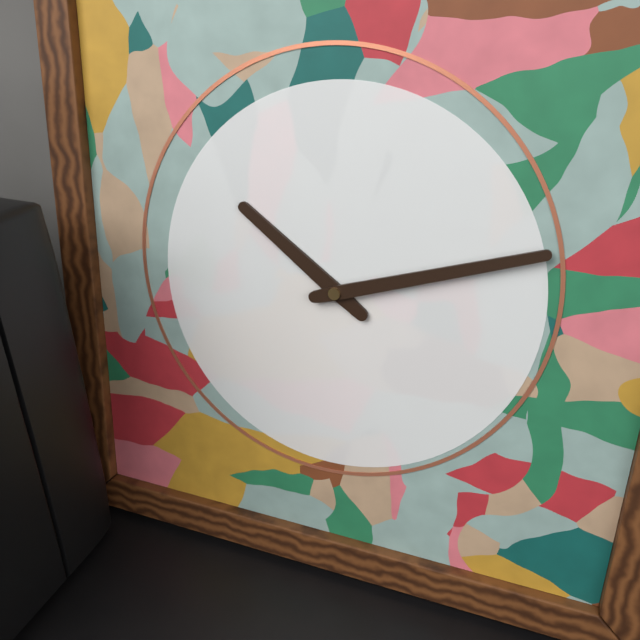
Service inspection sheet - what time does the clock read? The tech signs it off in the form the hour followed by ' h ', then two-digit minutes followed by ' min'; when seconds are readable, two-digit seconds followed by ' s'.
10 h 12 min
